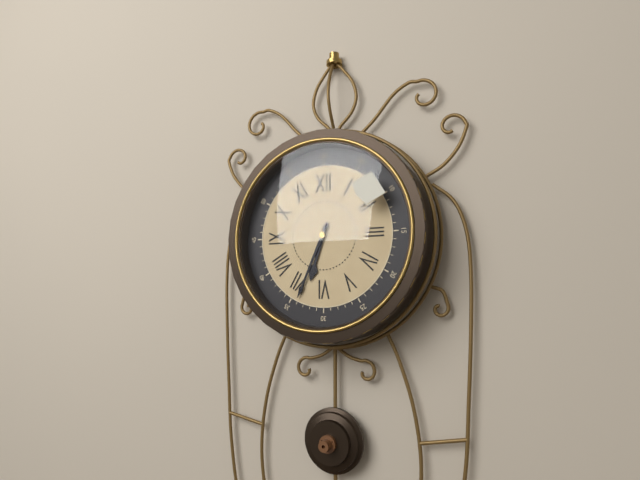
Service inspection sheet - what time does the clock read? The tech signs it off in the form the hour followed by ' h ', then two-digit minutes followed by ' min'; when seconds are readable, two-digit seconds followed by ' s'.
6 h 34 min
